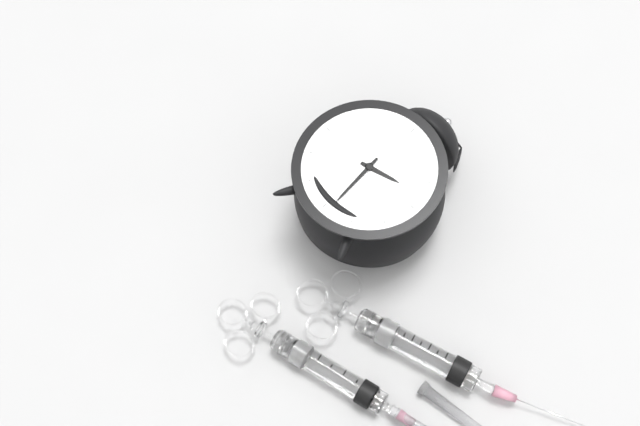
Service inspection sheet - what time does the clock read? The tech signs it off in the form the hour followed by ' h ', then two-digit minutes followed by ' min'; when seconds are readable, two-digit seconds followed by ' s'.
2 h 29 min
